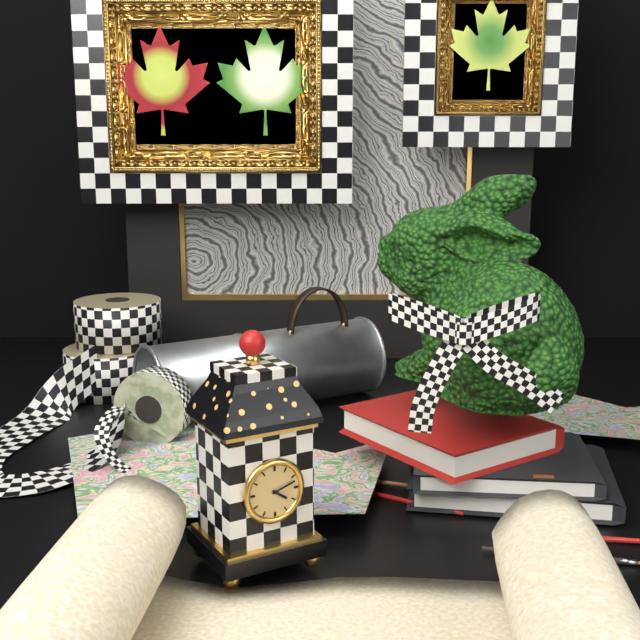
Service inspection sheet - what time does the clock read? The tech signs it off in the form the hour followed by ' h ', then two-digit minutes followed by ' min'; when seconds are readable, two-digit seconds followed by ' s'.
4 h 12 min
